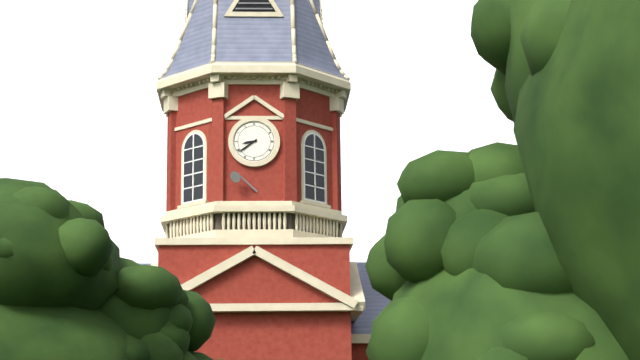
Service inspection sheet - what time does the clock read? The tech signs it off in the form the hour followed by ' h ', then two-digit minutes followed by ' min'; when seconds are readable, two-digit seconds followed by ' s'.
8 h 39 min
